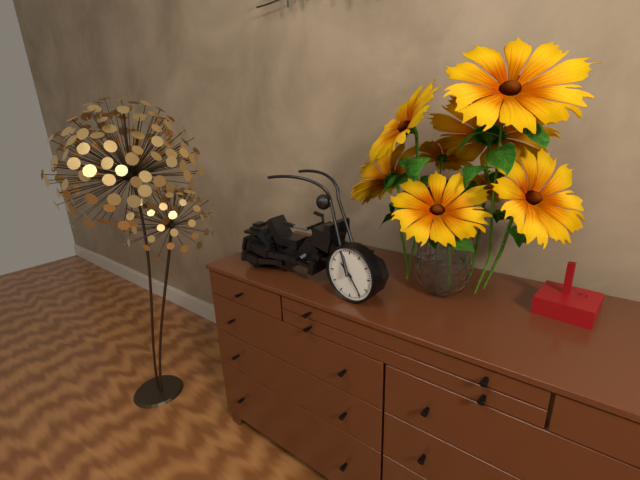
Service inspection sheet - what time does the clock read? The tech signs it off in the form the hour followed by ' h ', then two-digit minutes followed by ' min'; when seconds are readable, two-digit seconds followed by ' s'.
10 h 24 min
